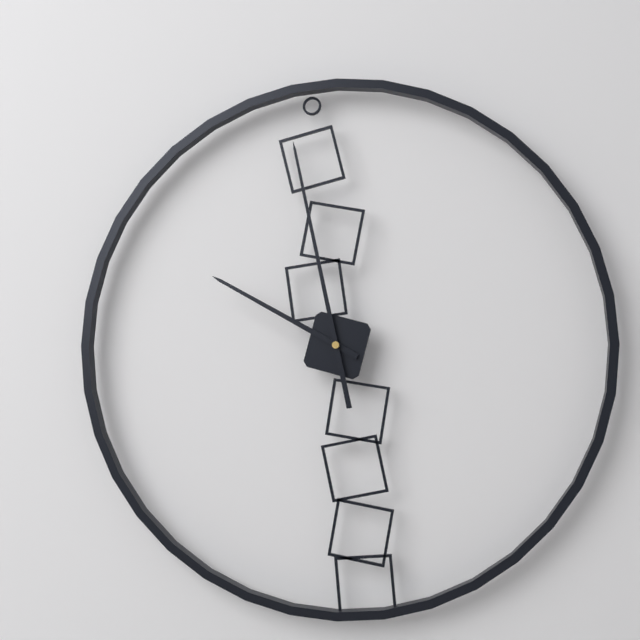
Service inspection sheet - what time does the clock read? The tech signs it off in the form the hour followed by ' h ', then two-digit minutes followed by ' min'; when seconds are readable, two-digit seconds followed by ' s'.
9 h 58 min
